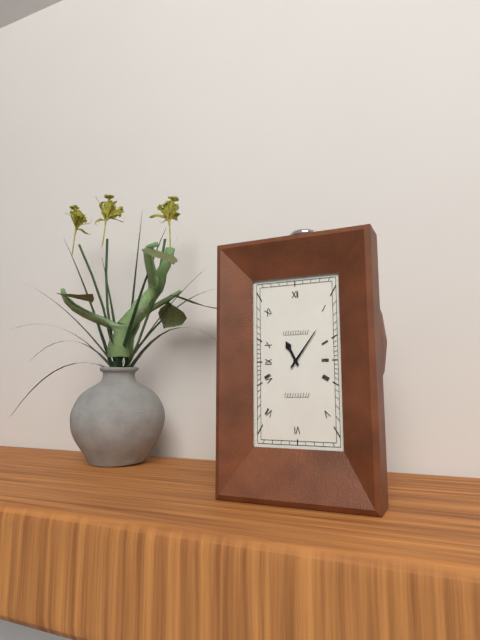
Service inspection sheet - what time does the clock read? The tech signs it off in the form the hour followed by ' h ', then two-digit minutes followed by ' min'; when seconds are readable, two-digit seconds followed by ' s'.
11 h 06 min
